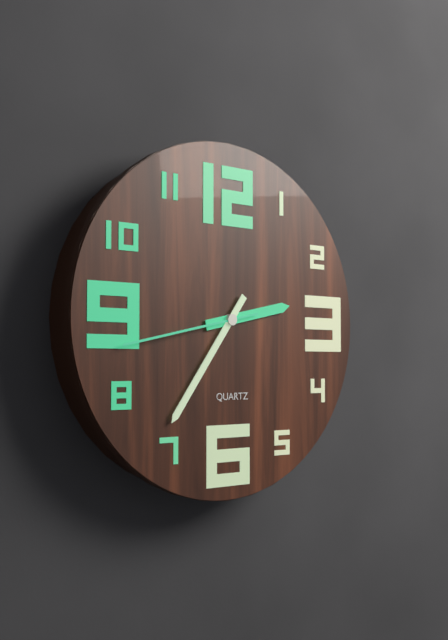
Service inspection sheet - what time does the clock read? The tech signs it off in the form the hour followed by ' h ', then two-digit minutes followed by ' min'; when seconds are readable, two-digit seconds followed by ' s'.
2 h 36 min 43 s
